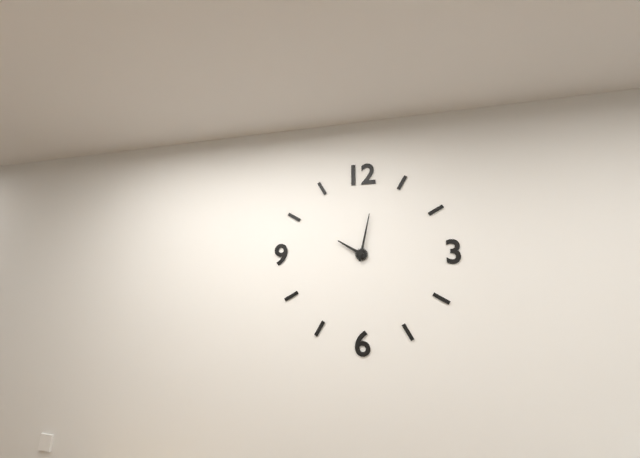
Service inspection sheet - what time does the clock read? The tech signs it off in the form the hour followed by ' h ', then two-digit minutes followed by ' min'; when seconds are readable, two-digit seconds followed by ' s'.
10 h 02 min
